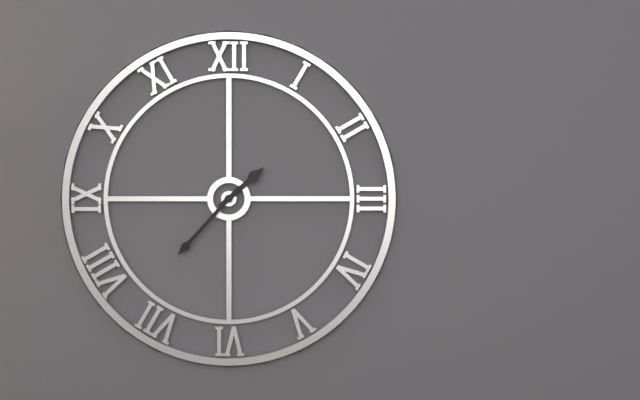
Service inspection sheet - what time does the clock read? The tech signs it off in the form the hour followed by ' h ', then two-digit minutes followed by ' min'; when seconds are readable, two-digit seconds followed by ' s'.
1 h 37 min
